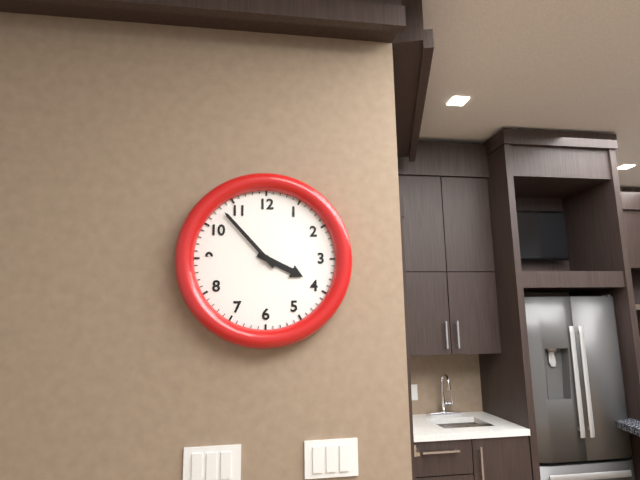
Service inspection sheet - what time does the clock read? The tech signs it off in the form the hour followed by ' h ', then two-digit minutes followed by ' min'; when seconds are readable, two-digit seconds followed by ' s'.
3 h 53 min
